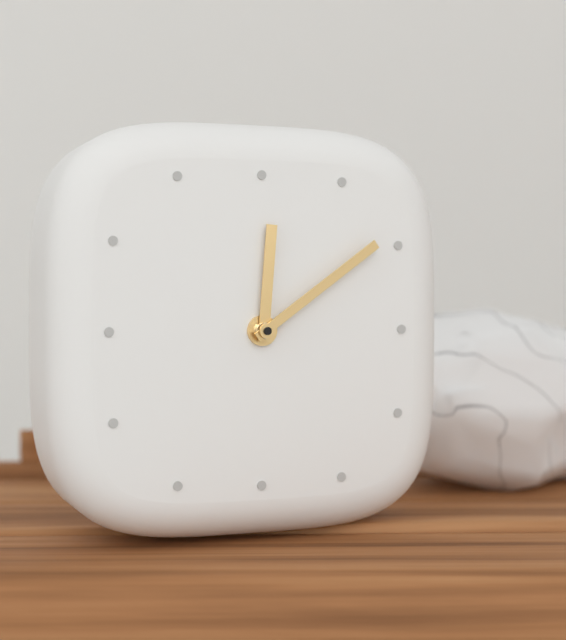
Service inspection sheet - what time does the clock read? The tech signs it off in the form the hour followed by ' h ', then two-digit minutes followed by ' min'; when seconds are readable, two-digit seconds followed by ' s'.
12 h 09 min
